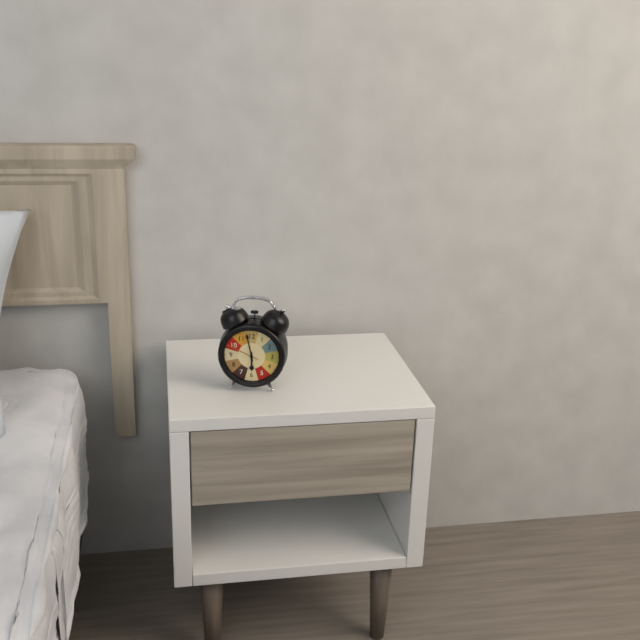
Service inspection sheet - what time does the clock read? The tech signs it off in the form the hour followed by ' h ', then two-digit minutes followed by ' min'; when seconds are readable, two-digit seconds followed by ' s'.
5 h 58 min
